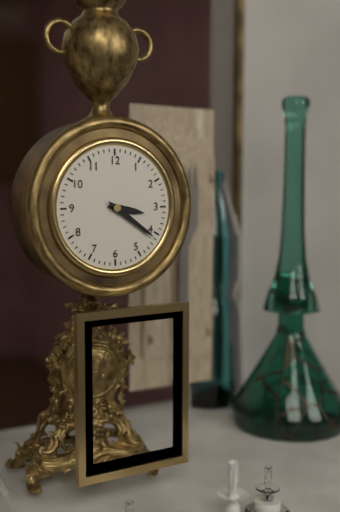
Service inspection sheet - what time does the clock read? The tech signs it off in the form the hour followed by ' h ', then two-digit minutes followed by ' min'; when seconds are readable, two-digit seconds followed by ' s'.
3 h 21 min
